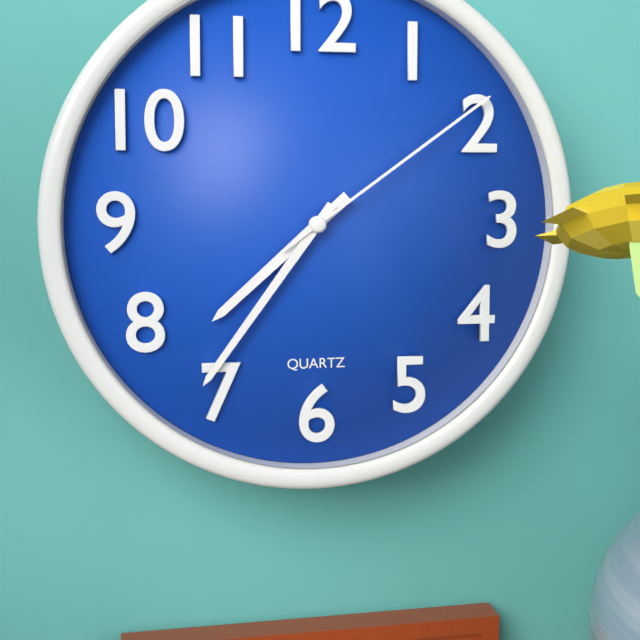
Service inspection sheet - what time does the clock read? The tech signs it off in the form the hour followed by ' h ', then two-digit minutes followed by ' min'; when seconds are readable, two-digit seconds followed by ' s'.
7 h 36 min 09 s
